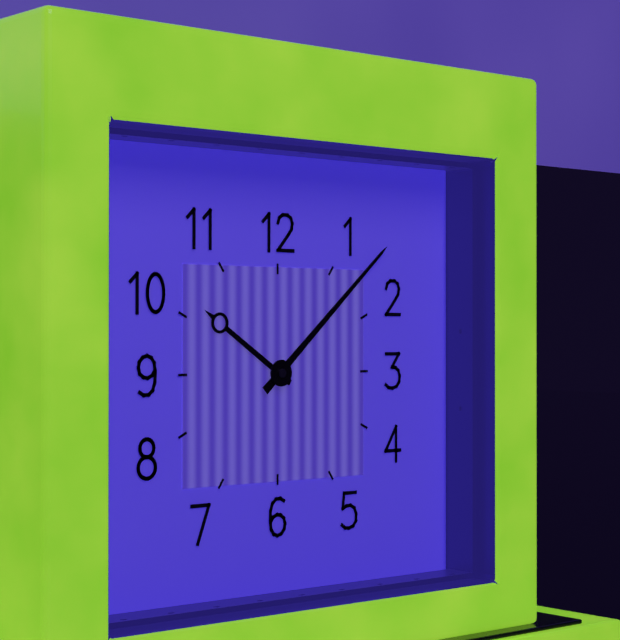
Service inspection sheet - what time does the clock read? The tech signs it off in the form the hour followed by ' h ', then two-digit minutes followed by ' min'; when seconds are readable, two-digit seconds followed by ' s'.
10 h 08 min
